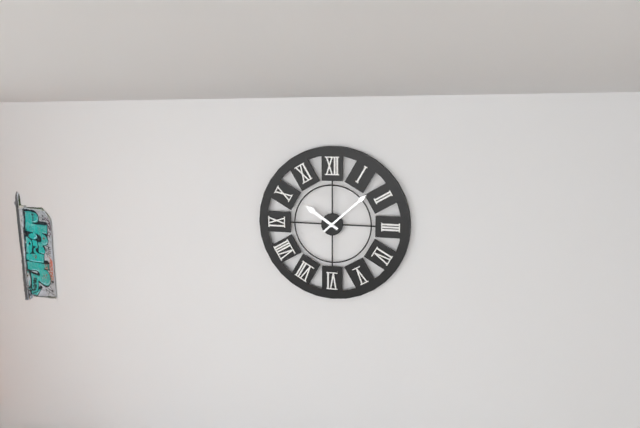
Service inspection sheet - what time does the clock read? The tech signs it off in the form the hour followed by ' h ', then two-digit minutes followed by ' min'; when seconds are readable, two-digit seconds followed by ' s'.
10 h 08 min
